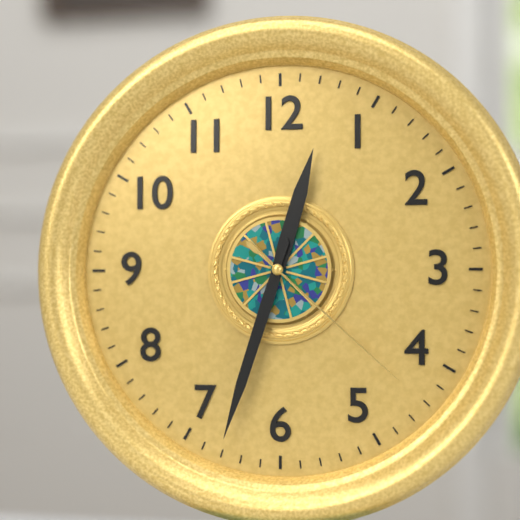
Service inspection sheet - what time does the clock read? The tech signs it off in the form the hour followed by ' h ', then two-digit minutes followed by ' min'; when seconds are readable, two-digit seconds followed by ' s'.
12 h 33 min 22 s
